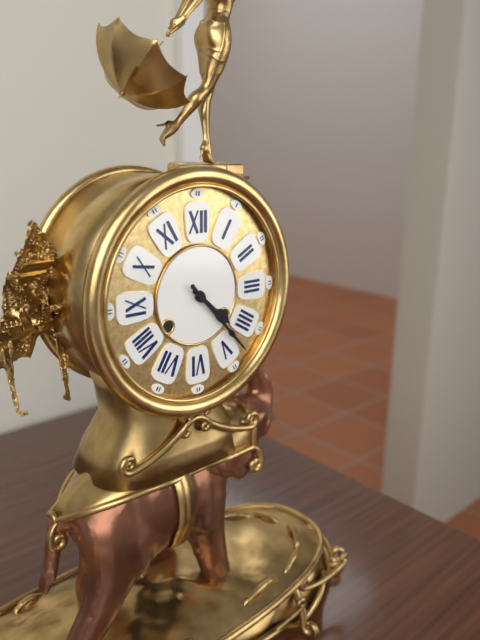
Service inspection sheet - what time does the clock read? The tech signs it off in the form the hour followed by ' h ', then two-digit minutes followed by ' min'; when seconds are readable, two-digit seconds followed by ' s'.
4 h 23 min
